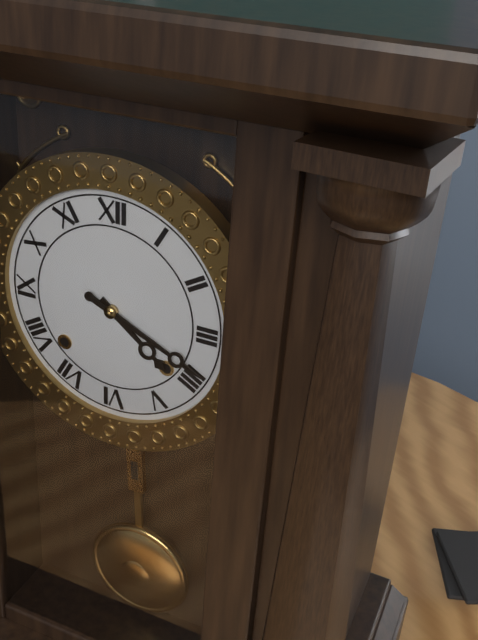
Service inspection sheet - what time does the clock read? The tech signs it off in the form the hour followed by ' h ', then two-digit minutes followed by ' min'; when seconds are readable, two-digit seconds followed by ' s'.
4 h 19 min
